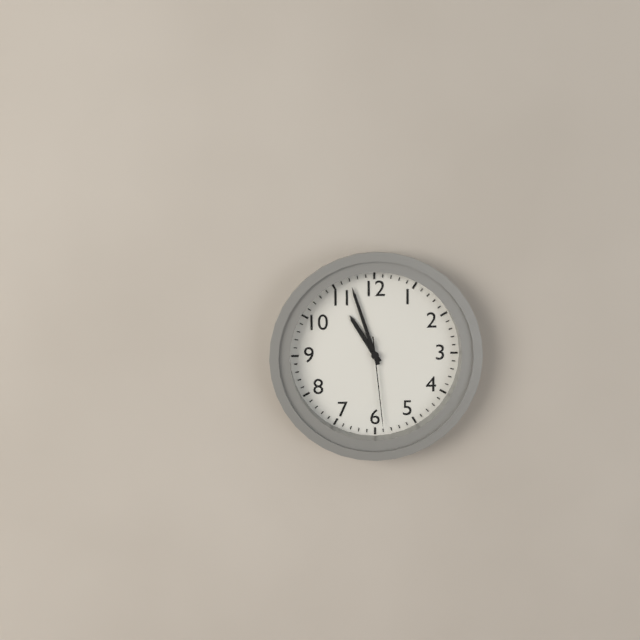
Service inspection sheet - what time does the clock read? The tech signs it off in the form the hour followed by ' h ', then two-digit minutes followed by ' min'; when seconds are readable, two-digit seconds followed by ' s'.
10 h 57 min 29 s
